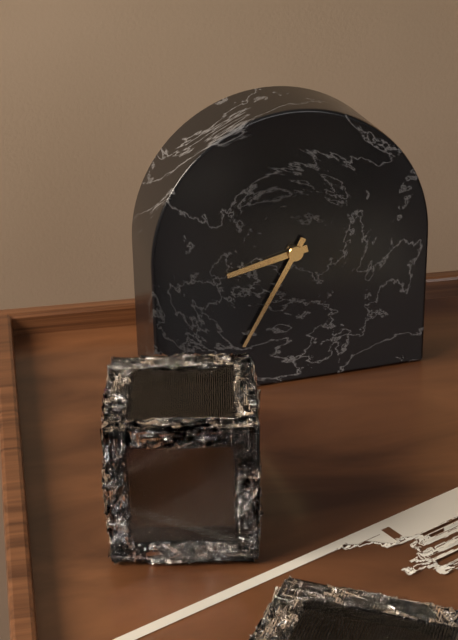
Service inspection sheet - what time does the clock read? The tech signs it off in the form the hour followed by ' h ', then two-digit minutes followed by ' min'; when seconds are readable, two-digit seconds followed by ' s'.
8 h 35 min
